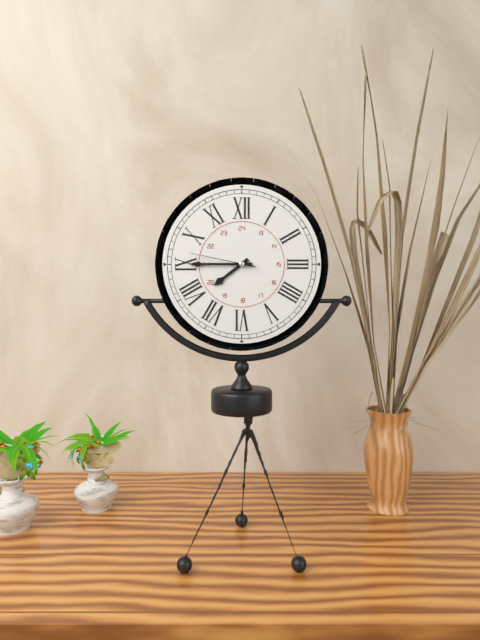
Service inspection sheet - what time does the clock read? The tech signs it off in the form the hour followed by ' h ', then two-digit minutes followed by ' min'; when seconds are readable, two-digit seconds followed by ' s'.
7 h 45 min 47 s
